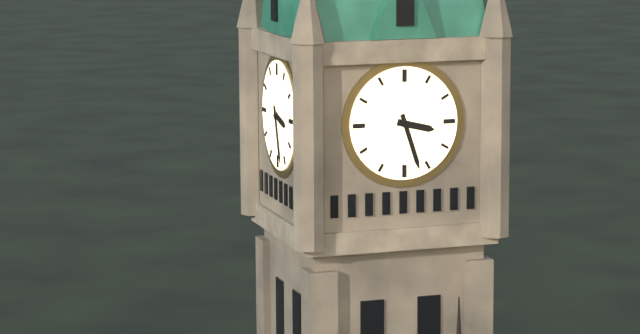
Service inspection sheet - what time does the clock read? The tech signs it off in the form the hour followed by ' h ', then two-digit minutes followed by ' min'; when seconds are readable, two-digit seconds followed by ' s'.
3 h 27 min
